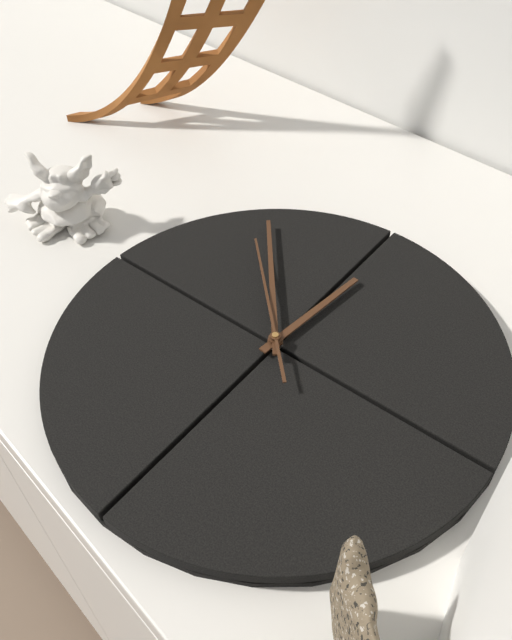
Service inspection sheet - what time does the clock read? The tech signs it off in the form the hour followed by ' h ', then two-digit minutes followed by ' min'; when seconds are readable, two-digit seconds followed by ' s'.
12 h 57 min 56 s
